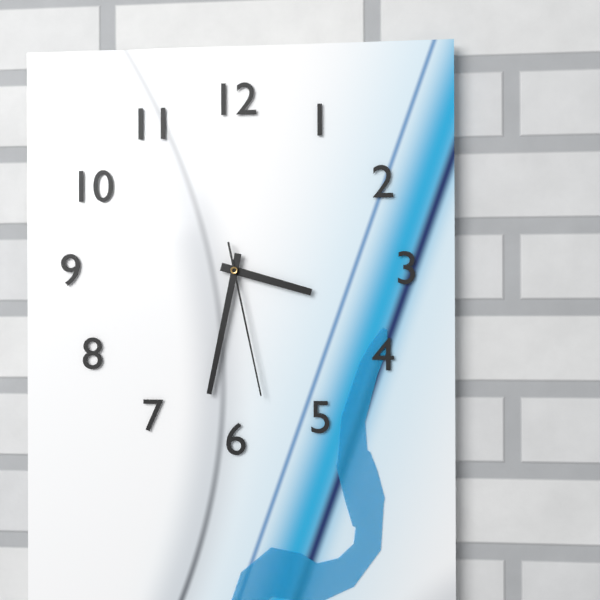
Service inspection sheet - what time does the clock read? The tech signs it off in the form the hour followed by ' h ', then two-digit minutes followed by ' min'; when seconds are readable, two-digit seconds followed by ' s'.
3 h 32 min 28 s
